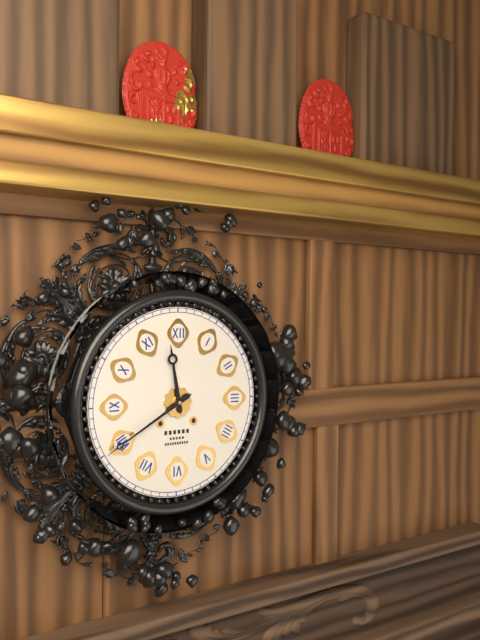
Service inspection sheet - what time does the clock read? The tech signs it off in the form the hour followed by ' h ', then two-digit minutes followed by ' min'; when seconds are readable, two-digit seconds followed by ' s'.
11 h 40 min
